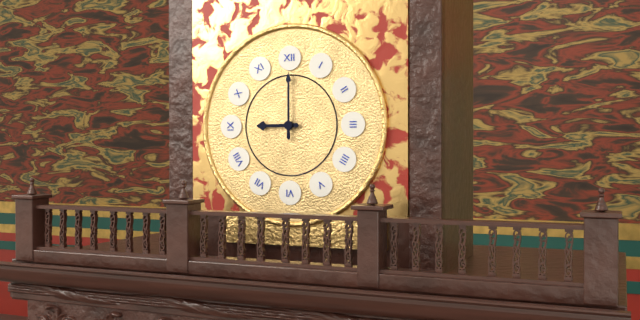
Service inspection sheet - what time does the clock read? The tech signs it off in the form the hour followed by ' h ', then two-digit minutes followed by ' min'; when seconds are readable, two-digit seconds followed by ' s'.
9 h 00 min
